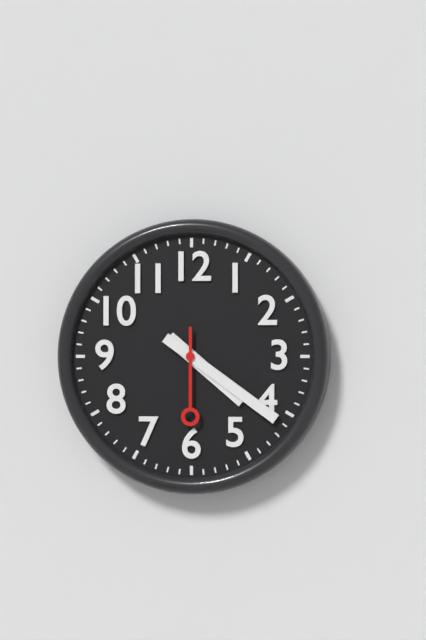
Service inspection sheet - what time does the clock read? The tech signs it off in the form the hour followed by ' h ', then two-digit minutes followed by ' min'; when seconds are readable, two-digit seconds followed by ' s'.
4 h 21 min 30 s
